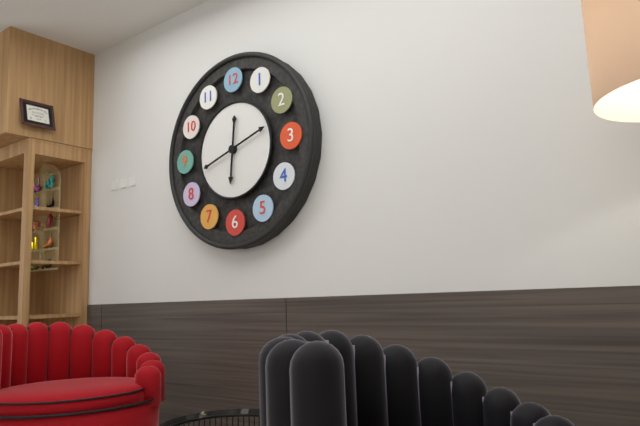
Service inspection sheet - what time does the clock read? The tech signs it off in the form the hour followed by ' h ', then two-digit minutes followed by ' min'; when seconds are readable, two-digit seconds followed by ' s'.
6 h 12 min
